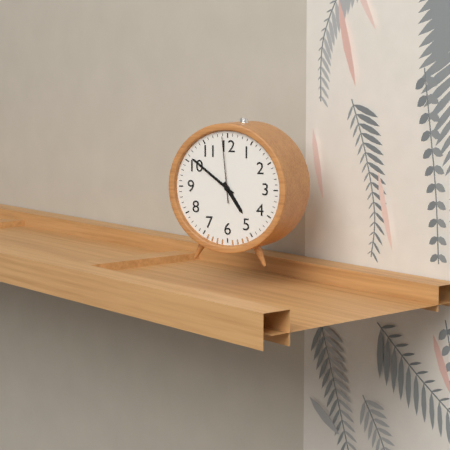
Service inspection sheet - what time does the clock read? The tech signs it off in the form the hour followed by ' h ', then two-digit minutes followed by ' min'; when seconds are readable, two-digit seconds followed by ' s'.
4 h 51 min 59 s
